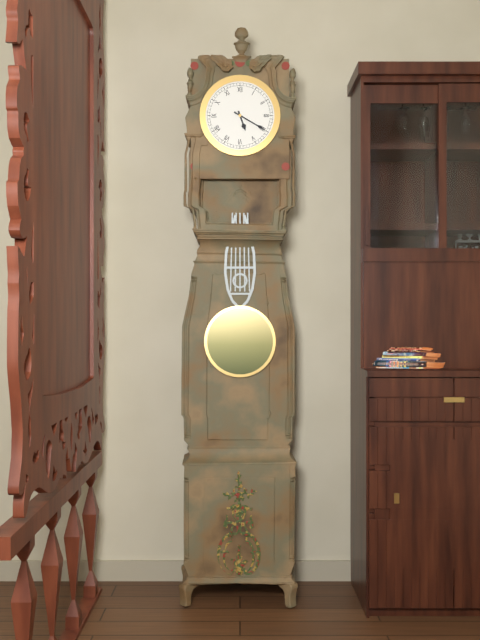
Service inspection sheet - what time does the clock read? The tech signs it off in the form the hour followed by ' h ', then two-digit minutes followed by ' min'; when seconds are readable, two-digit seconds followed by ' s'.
5 h 20 min
